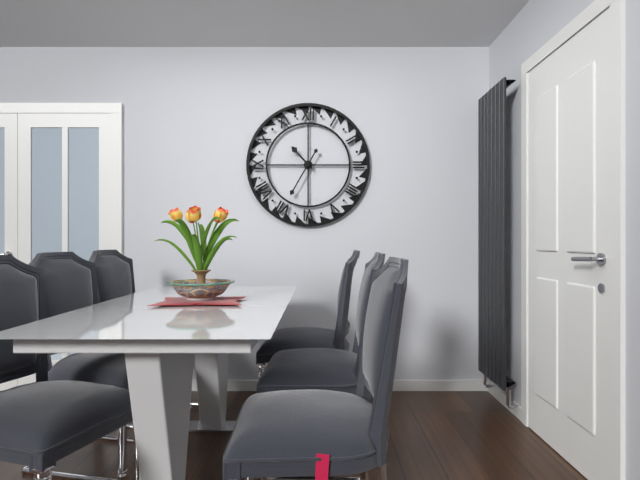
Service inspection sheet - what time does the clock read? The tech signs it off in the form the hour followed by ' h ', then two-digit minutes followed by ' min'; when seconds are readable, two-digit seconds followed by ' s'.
10 h 35 min
